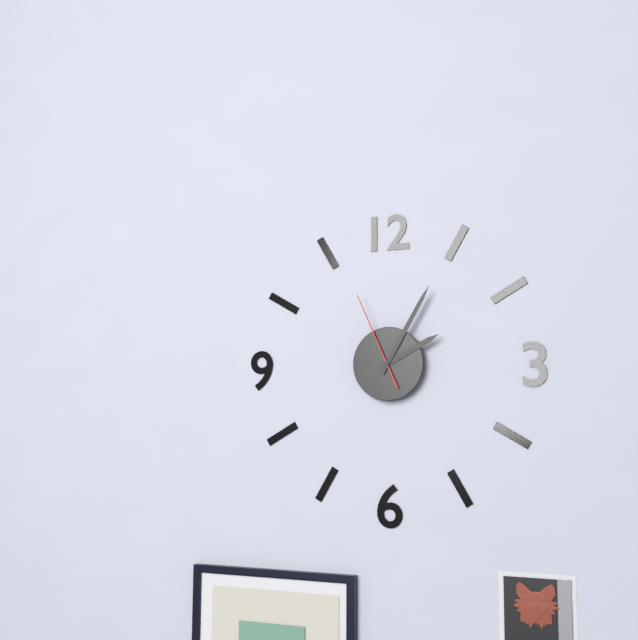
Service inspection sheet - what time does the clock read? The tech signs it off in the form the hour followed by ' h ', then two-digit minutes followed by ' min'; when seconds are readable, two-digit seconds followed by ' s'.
2 h 05 min 56 s
